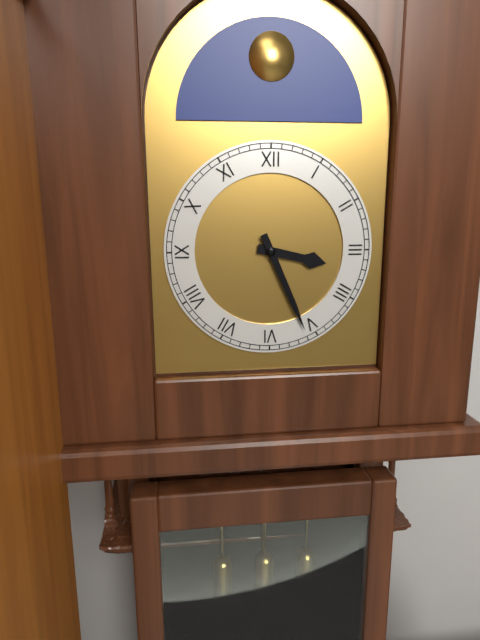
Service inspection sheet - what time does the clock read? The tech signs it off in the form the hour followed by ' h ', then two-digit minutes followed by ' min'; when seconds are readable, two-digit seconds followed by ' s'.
3 h 26 min
